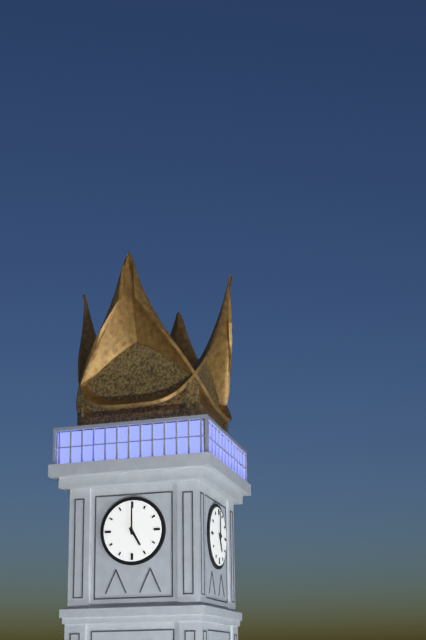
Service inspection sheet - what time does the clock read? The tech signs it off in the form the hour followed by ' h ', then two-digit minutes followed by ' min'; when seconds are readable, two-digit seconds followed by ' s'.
5 h 00 min
